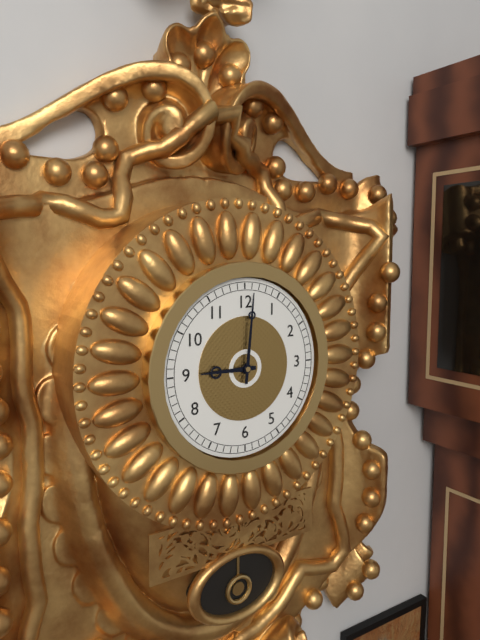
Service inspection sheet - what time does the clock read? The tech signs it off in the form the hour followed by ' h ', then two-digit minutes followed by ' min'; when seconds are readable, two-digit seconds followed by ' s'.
9 h 01 min
